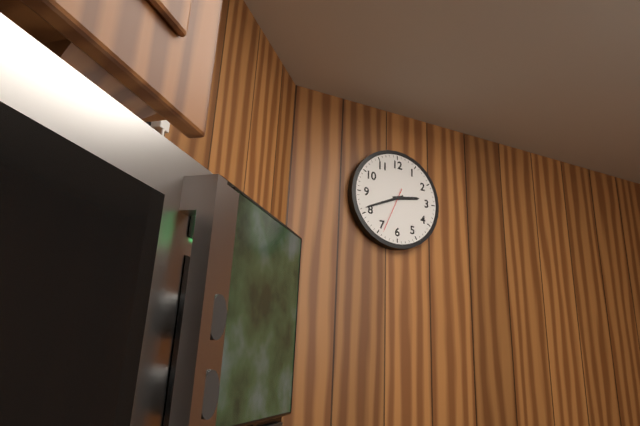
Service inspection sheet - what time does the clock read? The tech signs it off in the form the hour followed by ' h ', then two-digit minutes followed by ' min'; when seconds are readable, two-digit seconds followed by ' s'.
2 h 41 min
